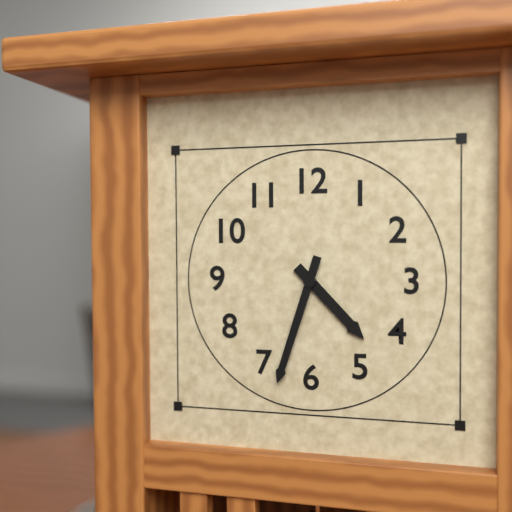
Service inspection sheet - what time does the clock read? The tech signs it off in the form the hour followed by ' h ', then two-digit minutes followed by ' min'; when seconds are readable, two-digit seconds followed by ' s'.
4 h 33 min
